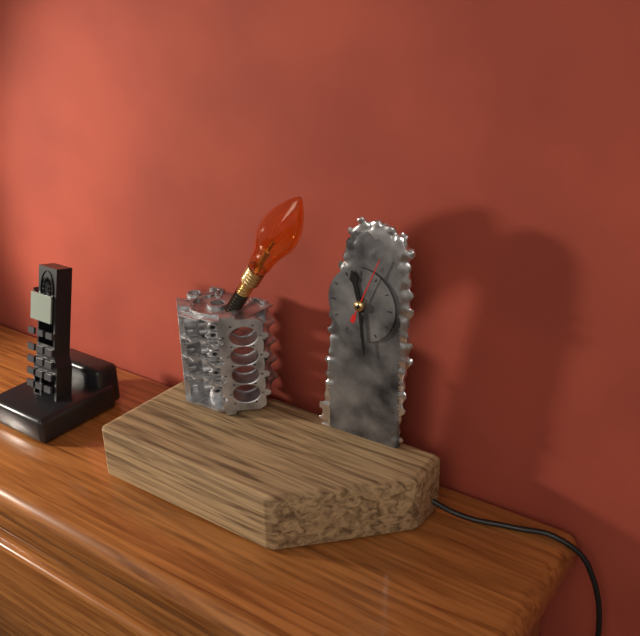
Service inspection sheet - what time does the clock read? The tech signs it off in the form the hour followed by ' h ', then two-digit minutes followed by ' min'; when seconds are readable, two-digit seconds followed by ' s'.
11 h 29 min 04 s
